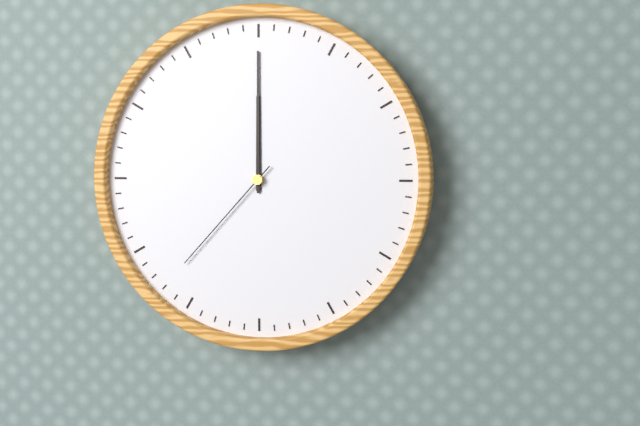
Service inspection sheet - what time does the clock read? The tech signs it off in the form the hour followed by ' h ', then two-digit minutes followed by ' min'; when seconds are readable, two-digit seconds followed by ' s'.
12 h 00 min 37 s
